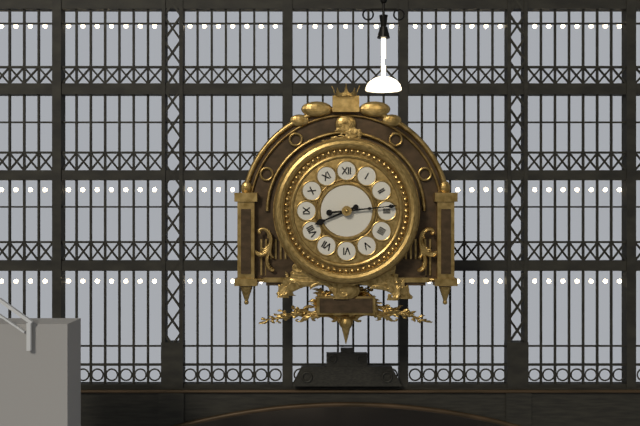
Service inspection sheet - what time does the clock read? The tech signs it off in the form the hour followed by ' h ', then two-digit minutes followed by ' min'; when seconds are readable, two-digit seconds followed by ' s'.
8 h 14 min
